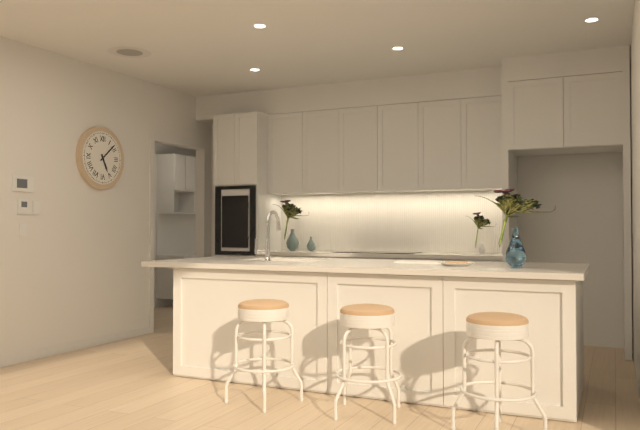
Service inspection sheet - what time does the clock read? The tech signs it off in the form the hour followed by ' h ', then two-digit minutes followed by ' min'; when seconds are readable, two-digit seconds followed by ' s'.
5 h 08 min
